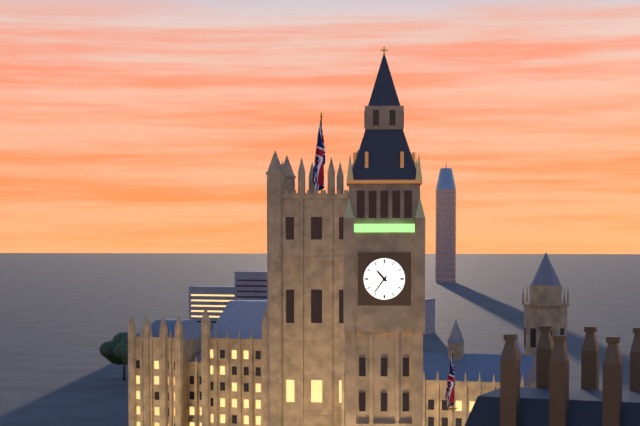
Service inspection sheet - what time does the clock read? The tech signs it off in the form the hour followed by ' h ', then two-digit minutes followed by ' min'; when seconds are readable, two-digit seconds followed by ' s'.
10 h 36 min
